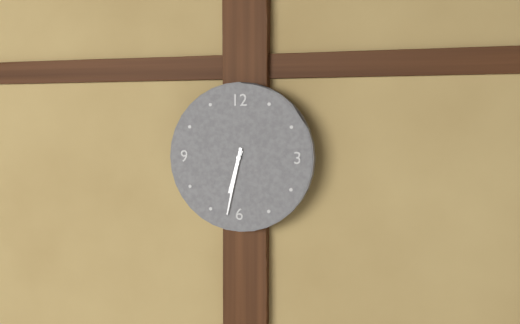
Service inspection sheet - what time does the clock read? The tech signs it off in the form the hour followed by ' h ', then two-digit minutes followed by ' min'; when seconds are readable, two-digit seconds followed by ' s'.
6 h 32 min
